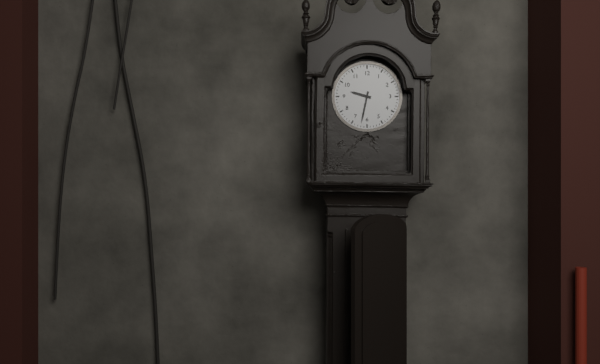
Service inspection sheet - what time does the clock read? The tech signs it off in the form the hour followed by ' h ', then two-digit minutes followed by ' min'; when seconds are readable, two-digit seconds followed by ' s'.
9 h 32 min
